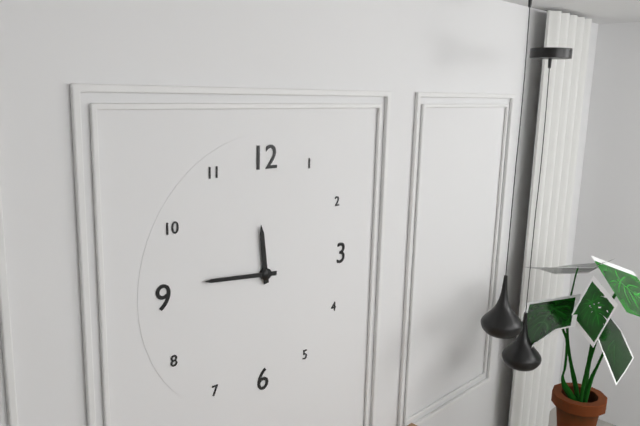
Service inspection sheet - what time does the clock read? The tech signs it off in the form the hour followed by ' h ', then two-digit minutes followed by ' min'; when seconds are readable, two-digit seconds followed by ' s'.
11 h 46 min
